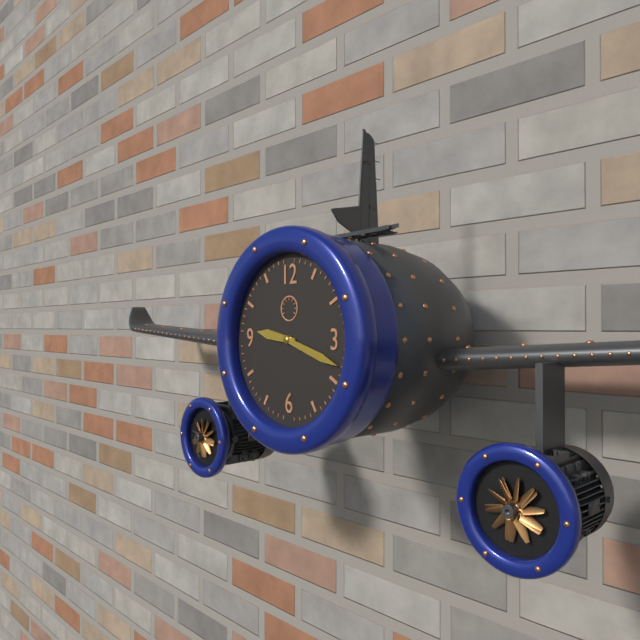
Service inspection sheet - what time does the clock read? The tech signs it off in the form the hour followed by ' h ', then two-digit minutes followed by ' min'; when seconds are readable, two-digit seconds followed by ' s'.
9 h 18 min
